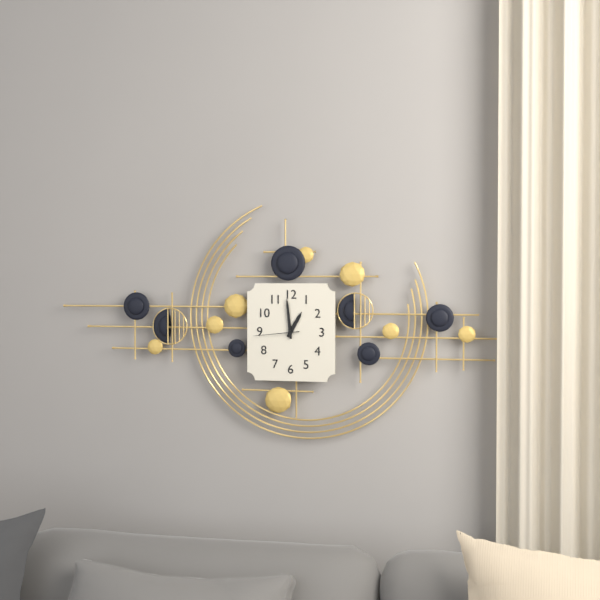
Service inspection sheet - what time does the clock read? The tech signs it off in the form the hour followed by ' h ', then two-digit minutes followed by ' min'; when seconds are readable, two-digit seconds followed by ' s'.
12 h 59 min
